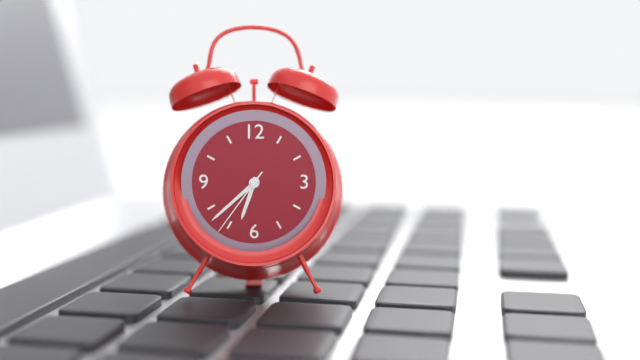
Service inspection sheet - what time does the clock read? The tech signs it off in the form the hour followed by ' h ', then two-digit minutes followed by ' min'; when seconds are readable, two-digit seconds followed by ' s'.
6 h 38 min 36 s
